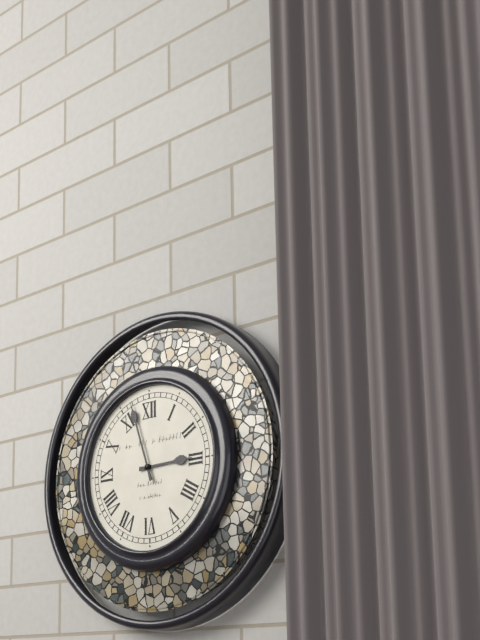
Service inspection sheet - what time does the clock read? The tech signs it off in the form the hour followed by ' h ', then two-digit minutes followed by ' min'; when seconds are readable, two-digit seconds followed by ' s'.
2 h 57 min
